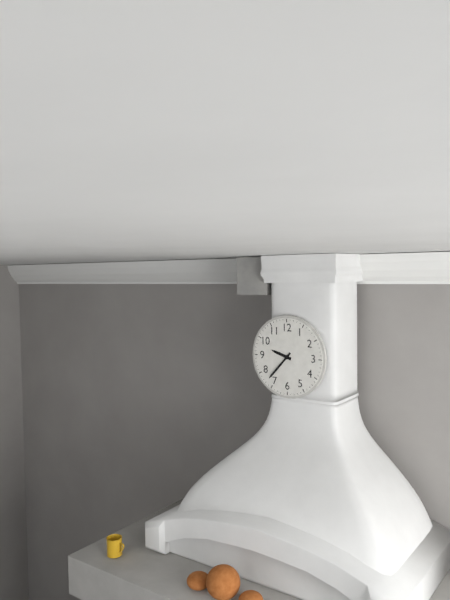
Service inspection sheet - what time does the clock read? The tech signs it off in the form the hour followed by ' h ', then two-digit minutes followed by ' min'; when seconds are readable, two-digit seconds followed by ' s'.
9 h 37 min
